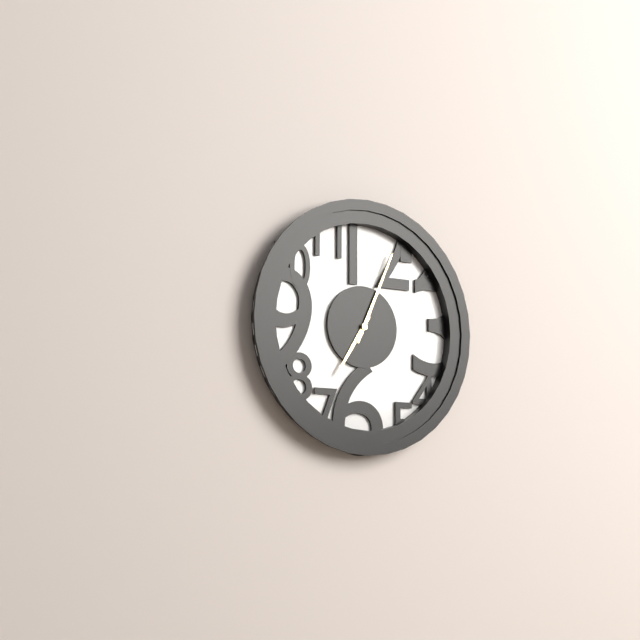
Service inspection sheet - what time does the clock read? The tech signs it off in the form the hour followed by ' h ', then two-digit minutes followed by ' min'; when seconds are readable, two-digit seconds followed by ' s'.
7 h 04 min
